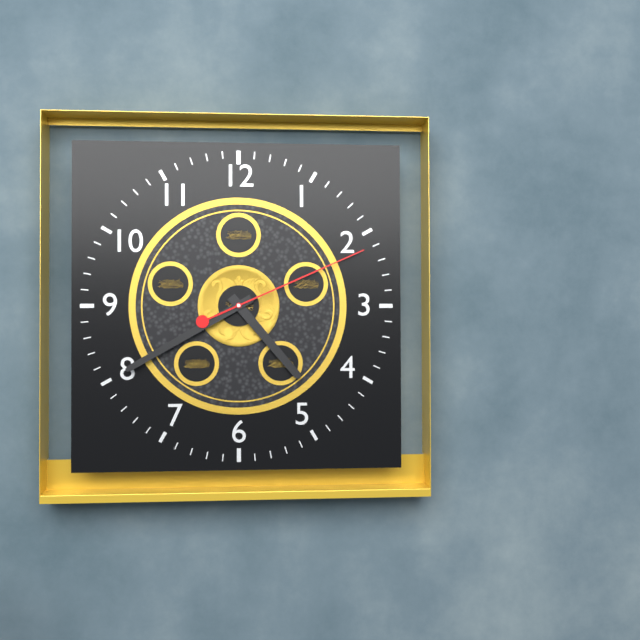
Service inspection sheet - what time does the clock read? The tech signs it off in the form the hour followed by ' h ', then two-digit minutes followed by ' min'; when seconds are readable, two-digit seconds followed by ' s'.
4 h 40 min 11 s
